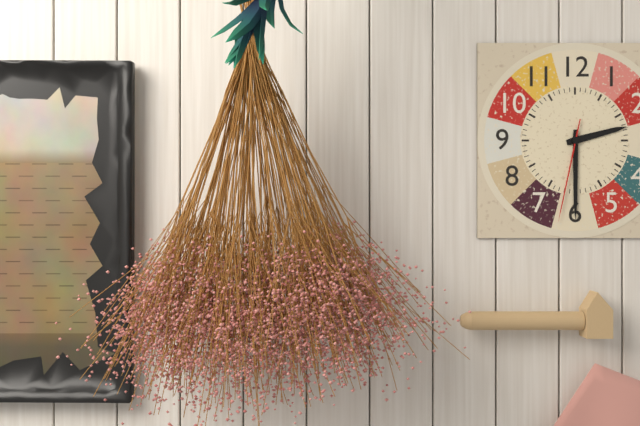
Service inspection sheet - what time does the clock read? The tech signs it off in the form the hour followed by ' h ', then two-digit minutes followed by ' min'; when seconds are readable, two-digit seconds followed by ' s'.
2 h 30 min 32 s
